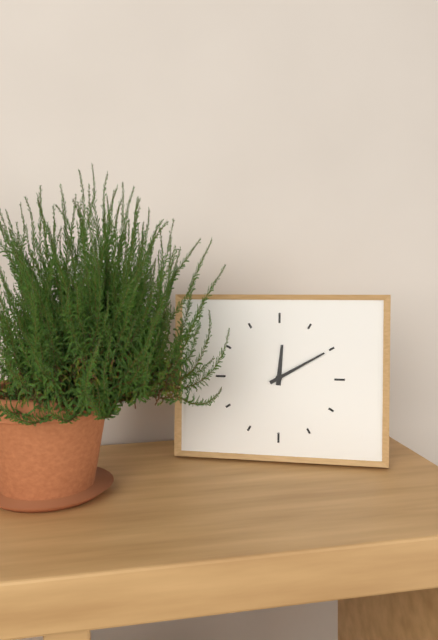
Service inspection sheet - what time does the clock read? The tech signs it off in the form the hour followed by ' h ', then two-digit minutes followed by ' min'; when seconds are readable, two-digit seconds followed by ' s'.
12 h 10 min
